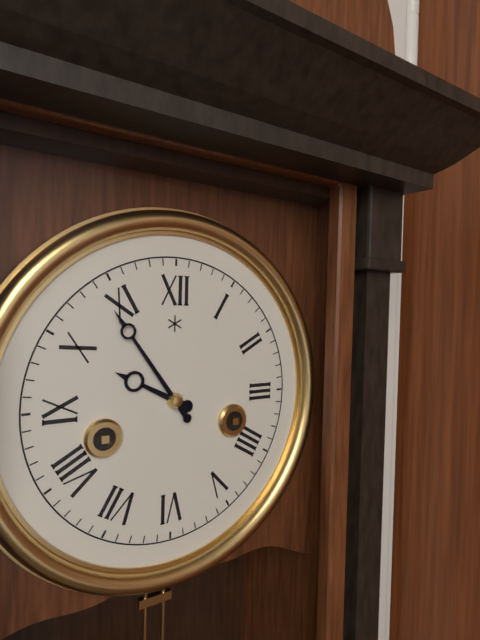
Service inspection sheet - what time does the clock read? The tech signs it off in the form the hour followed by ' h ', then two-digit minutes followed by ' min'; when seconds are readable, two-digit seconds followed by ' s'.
9 h 54 min
